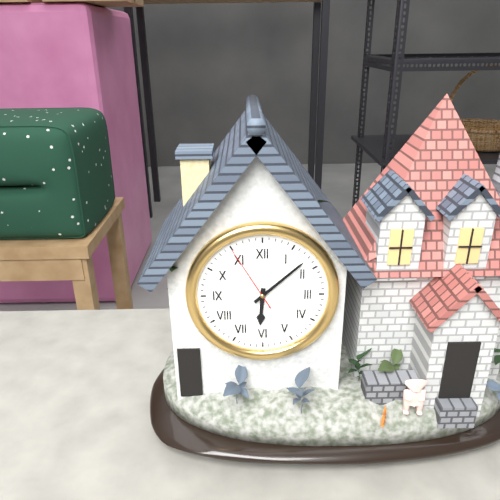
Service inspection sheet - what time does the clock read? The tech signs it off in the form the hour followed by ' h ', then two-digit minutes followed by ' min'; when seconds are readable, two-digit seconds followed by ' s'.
6 h 08 min 55 s
